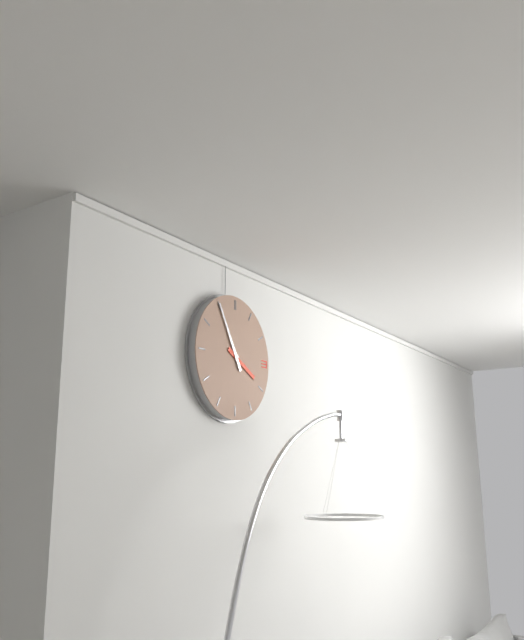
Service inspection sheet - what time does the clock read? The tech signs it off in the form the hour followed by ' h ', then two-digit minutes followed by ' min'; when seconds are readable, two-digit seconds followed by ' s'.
3 h 55 min
